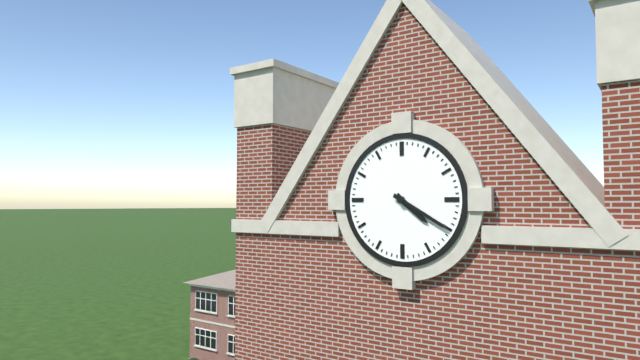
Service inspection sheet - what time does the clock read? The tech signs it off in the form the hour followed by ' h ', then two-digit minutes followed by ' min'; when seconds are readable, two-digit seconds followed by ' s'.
4 h 20 min
